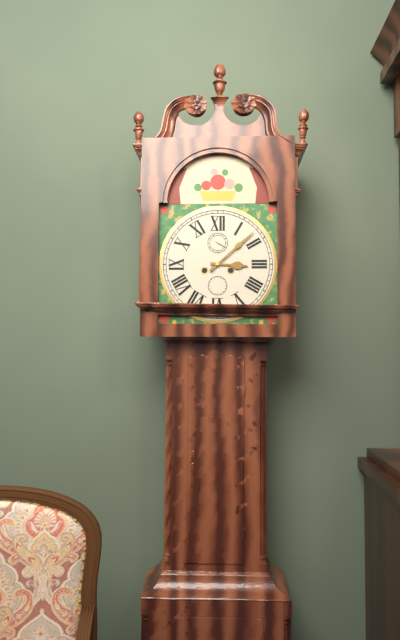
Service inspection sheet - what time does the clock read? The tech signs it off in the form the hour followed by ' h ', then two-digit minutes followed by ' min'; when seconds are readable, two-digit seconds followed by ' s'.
3 h 08 min
